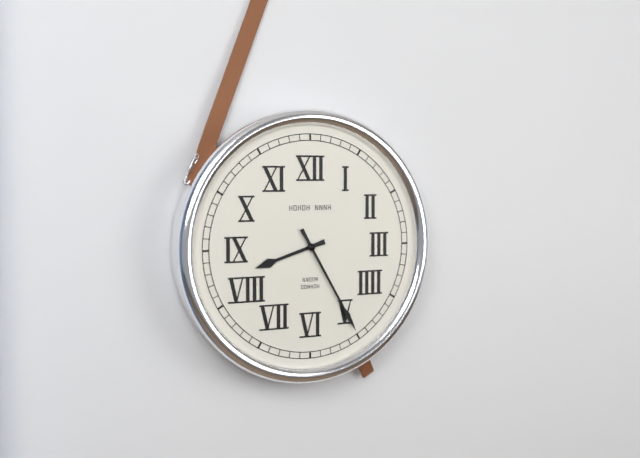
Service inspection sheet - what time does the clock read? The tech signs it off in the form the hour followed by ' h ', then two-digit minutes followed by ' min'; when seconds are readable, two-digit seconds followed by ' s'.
8 h 25 min
